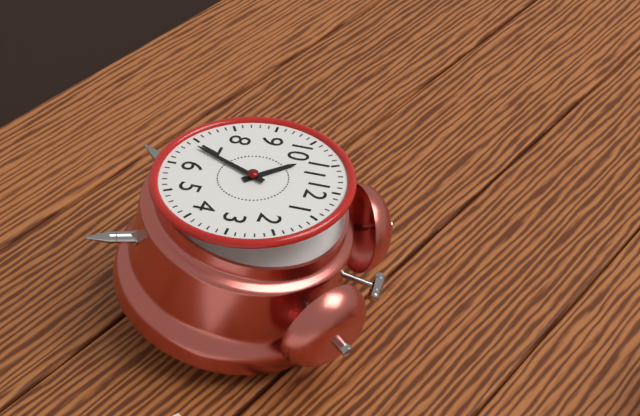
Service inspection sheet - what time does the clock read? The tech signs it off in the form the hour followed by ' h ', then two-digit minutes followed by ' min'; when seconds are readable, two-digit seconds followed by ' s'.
10 h 34 min
